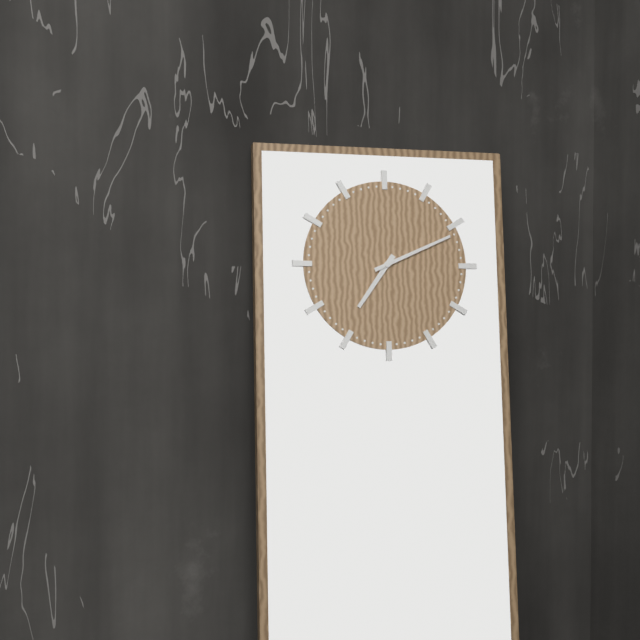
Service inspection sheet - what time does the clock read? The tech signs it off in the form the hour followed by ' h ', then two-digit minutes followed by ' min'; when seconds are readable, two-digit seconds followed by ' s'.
7 h 11 min
